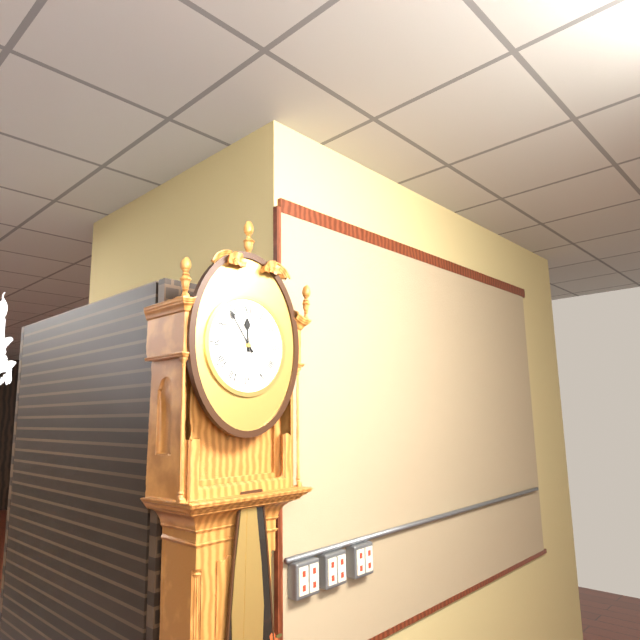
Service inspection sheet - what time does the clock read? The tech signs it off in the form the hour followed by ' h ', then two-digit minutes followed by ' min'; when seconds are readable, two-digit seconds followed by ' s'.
11 h 54 min
